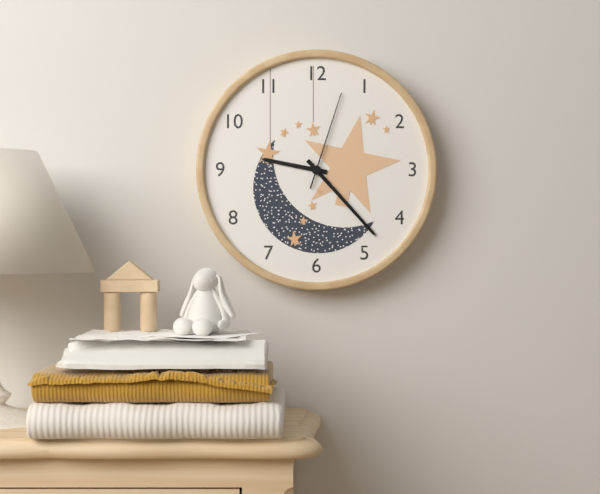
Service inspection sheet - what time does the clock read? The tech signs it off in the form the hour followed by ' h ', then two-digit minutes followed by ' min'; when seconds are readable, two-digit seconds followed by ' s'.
9 h 23 min 03 s
